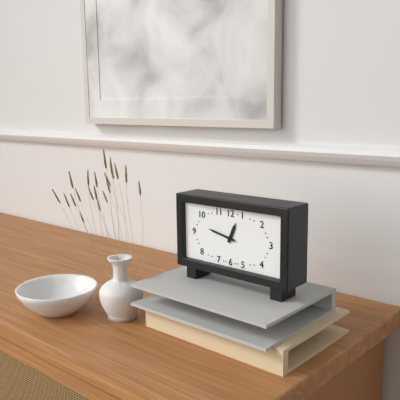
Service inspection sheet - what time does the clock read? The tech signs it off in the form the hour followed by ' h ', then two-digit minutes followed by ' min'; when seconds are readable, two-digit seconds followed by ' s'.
12 h 47 min
